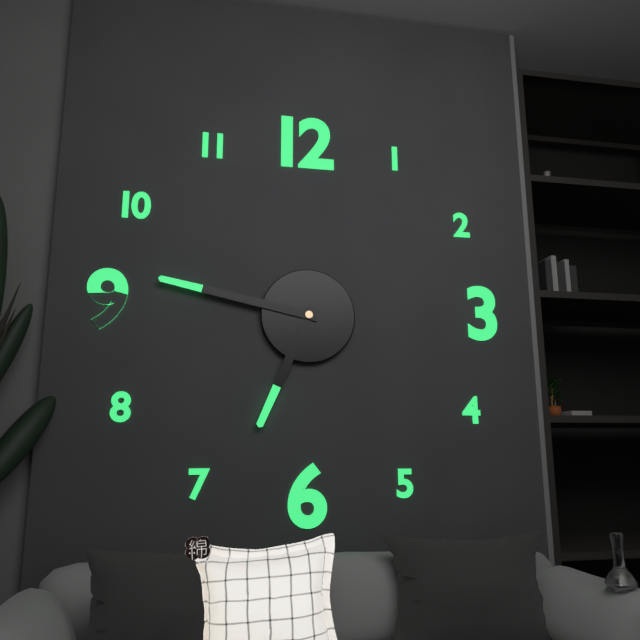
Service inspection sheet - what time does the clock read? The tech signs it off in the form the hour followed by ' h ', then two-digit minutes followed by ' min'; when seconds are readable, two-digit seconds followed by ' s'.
6 h 47 min
